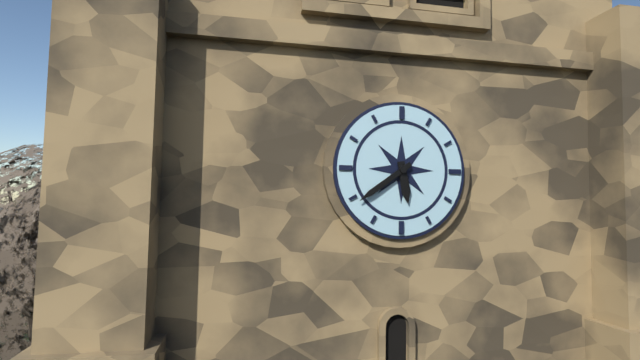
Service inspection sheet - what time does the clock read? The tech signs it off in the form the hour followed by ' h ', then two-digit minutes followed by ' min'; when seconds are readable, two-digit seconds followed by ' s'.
5 h 39 min
